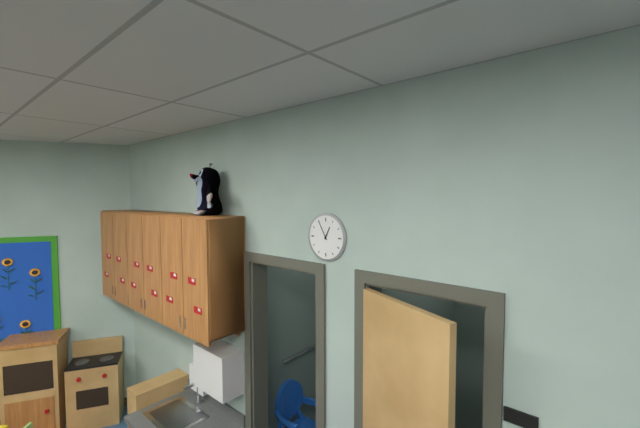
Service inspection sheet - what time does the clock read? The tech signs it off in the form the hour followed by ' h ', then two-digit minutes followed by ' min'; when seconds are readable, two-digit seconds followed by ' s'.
12 h 55 min
